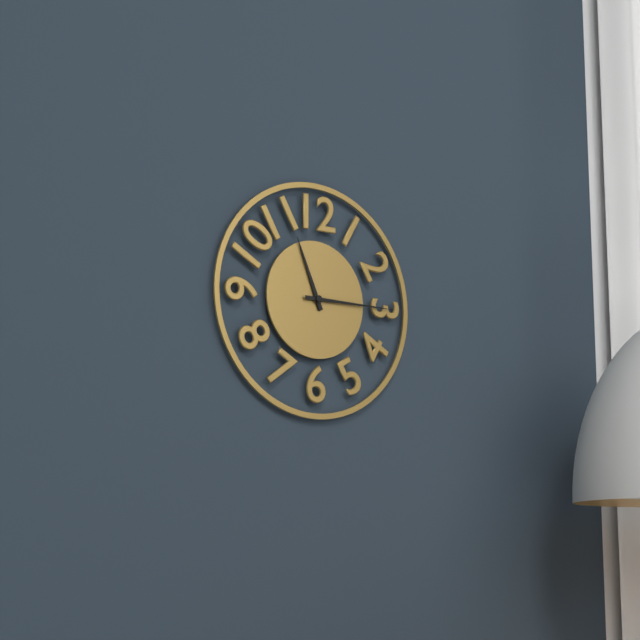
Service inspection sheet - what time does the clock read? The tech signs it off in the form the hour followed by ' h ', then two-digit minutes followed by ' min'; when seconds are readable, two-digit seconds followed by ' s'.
11 h 15 min
